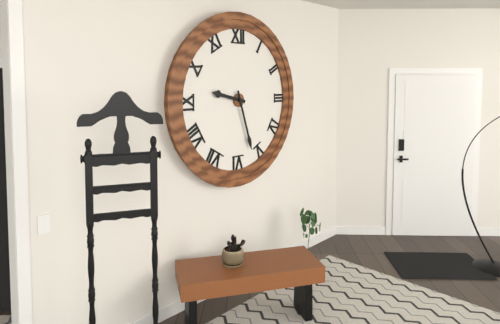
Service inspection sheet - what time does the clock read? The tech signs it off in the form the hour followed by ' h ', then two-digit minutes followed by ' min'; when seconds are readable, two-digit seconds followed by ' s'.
9 h 27 min
